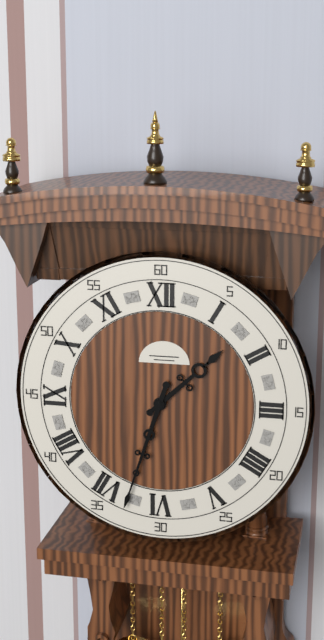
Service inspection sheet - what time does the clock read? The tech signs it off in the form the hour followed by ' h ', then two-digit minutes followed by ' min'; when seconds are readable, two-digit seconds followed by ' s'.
1 h 33 min
